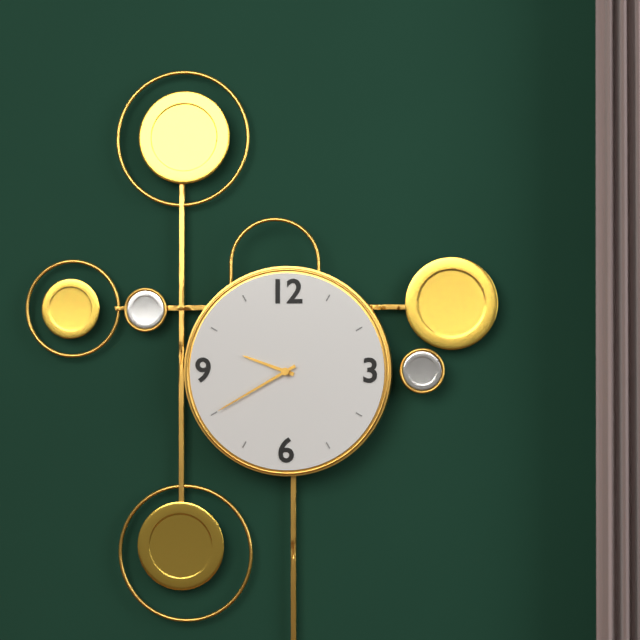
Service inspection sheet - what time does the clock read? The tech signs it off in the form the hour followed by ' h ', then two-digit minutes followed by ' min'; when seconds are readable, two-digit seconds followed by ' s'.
9 h 40 min
